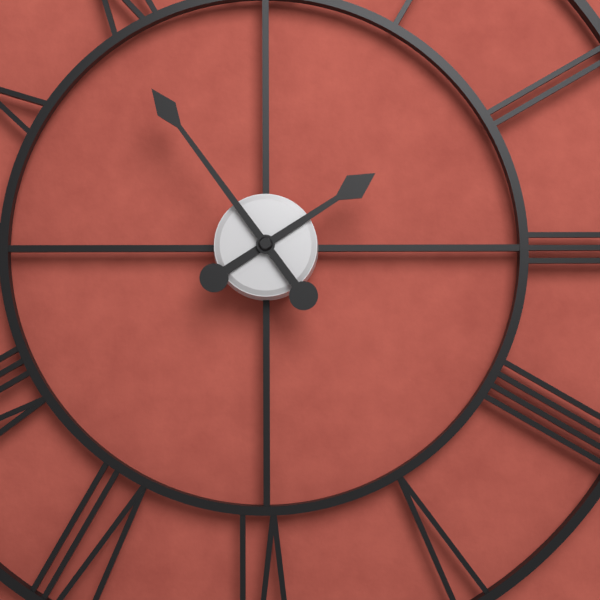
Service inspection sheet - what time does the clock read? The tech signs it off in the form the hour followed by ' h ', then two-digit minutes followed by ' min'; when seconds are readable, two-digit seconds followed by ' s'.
1 h 54 min
